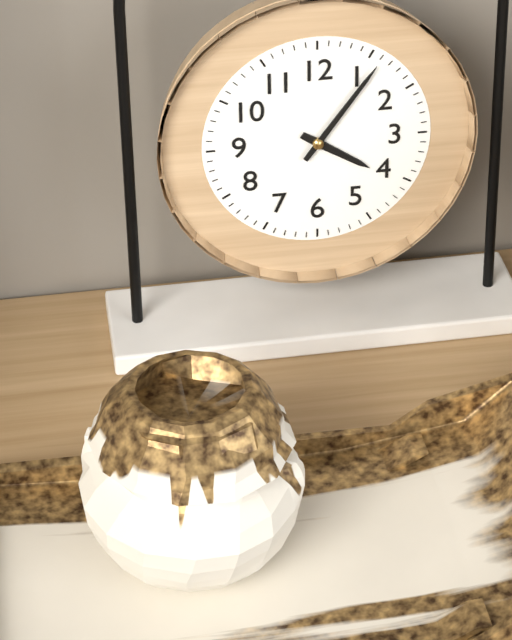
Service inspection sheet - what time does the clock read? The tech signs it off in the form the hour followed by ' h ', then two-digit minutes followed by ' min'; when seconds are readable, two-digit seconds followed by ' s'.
4 h 06 min
